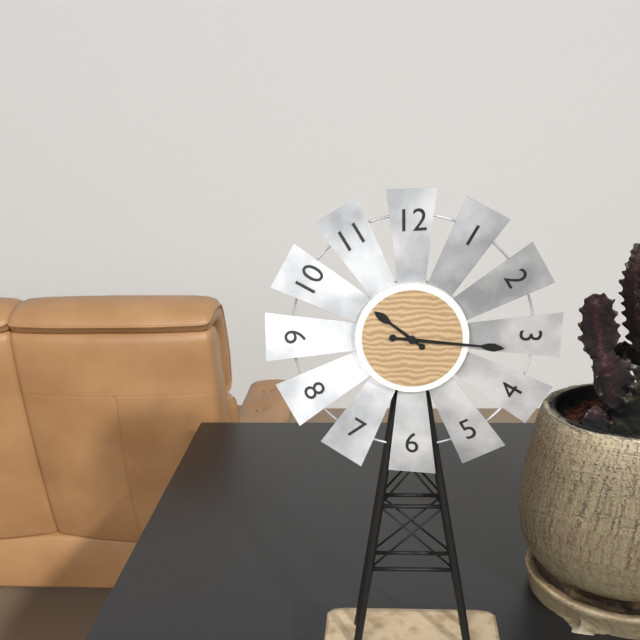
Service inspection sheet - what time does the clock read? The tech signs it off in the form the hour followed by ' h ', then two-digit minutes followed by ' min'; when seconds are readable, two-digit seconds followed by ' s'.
10 h 16 min
